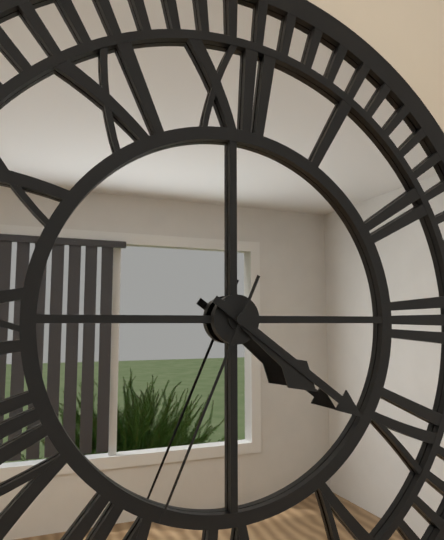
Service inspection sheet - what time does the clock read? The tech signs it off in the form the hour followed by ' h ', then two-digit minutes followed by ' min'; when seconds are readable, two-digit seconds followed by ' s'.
4 h 21 min 34 s
